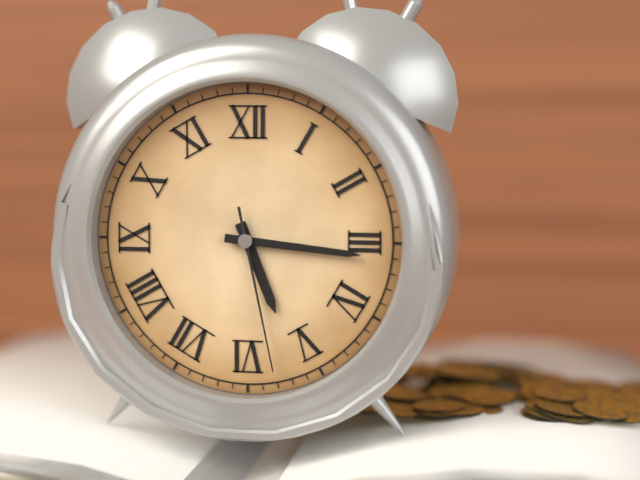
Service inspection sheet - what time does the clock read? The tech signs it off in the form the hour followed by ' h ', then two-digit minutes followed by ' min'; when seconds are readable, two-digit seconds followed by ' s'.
5 h 16 min 28 s
